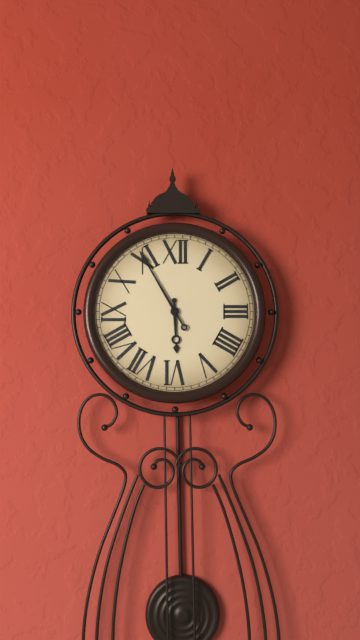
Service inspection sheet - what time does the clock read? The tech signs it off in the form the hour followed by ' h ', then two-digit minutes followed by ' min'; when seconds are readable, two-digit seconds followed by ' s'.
5 h 55 min
